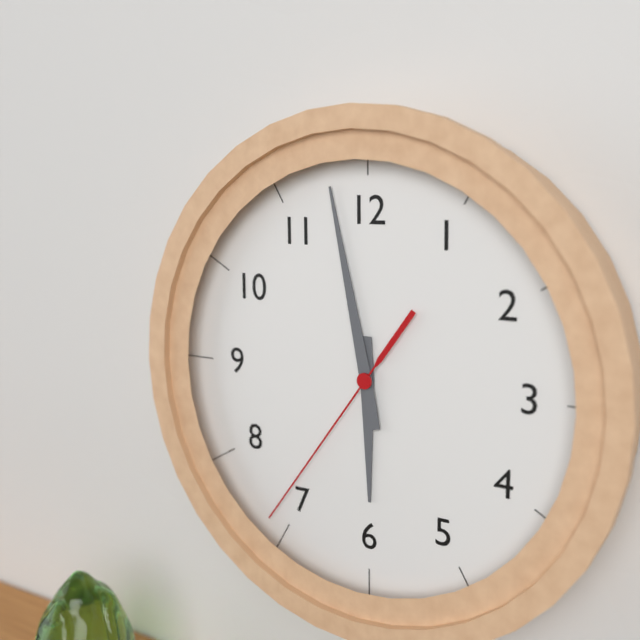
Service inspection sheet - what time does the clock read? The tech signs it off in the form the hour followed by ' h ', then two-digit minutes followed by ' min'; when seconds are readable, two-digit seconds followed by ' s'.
5 h 58 min 36 s
